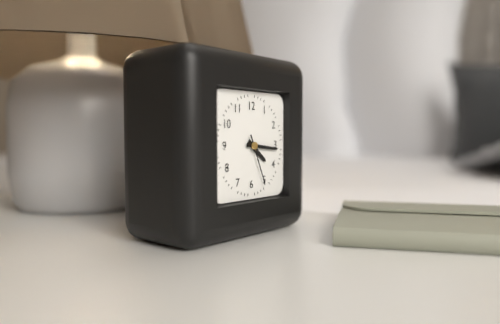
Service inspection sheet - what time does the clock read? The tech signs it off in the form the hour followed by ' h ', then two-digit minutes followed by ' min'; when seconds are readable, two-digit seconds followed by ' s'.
4 h 16 min 26 s
